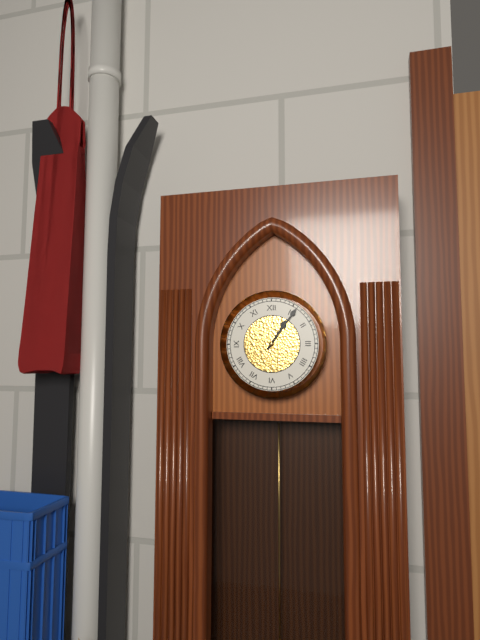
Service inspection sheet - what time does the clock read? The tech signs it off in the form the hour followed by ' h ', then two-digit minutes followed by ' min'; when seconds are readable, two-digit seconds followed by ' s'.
1 h 06 min
